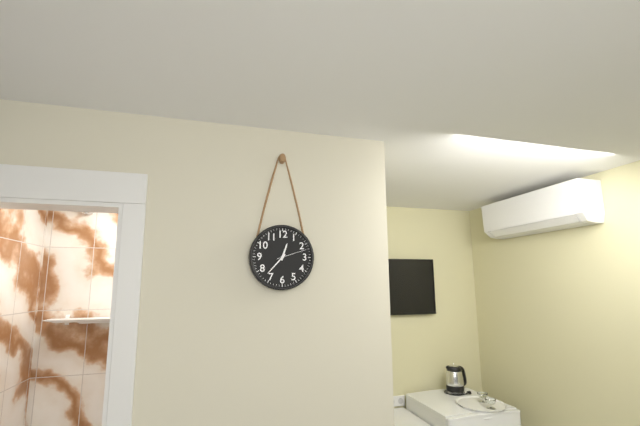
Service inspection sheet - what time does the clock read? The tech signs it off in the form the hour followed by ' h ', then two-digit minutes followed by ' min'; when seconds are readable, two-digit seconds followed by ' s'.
12 h 37 min
